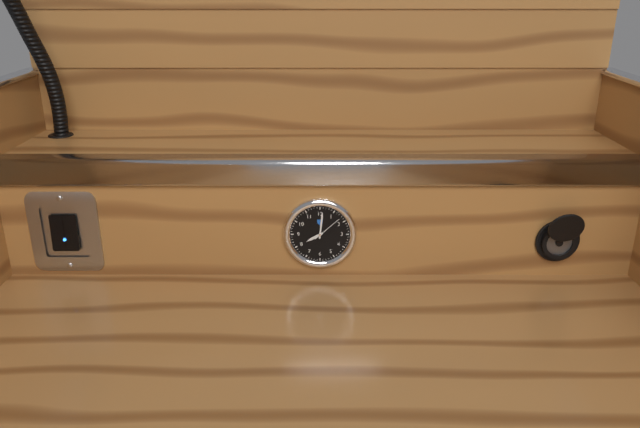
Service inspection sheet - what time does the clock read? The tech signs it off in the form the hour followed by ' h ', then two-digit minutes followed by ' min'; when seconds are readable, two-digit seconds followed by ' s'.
8 h 01 min
